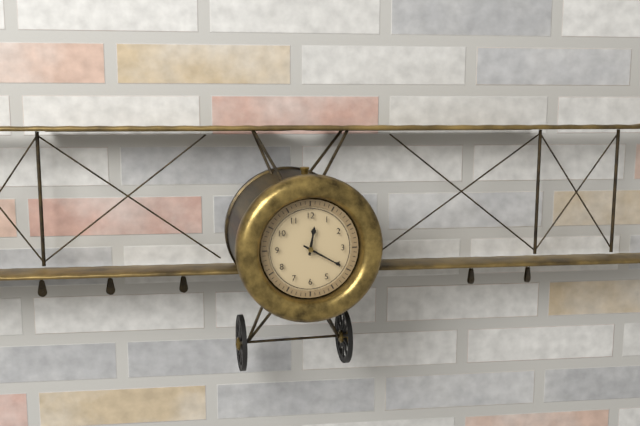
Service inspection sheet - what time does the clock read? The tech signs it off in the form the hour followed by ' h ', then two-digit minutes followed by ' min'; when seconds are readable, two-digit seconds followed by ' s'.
12 h 20 min
